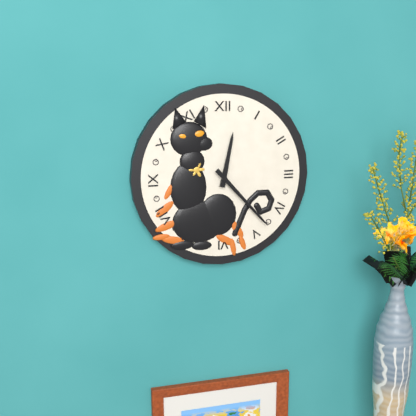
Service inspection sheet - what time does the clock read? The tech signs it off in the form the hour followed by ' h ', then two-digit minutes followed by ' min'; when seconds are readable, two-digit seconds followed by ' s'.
12 h 23 min
